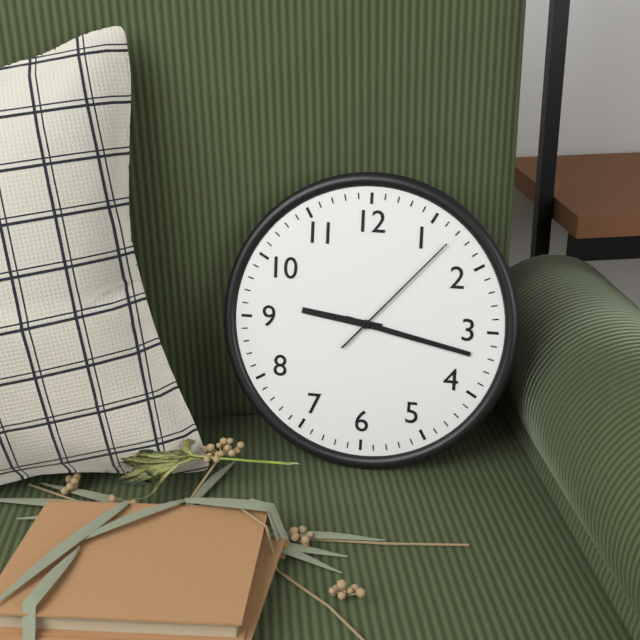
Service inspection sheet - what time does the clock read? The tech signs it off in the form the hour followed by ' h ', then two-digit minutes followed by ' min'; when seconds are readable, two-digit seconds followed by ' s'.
9 h 17 min 07 s
